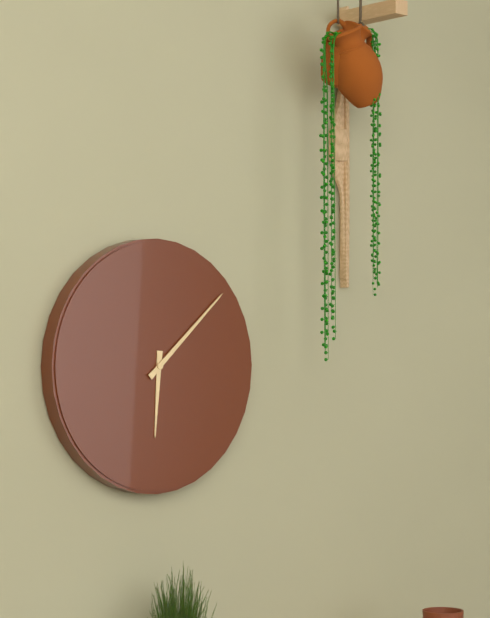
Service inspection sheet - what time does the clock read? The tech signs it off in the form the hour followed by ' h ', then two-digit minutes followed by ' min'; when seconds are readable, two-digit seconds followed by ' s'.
6 h 08 min
